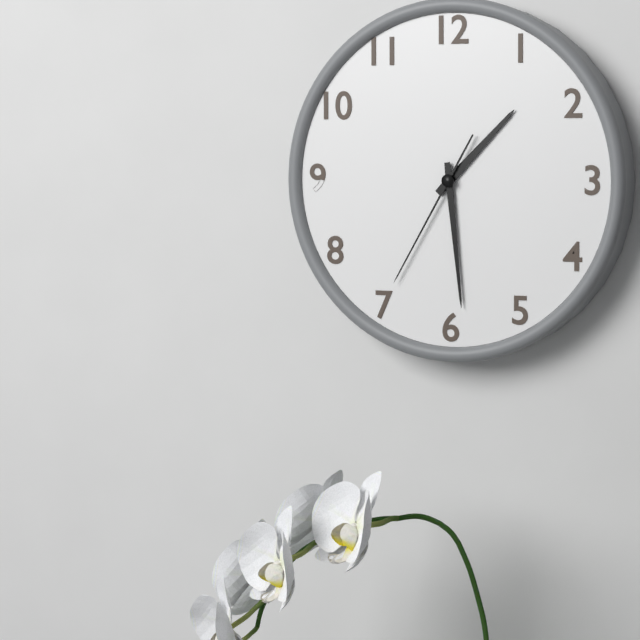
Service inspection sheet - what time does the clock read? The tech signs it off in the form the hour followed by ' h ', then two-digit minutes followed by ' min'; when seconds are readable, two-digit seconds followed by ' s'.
1 h 29 min 35 s
